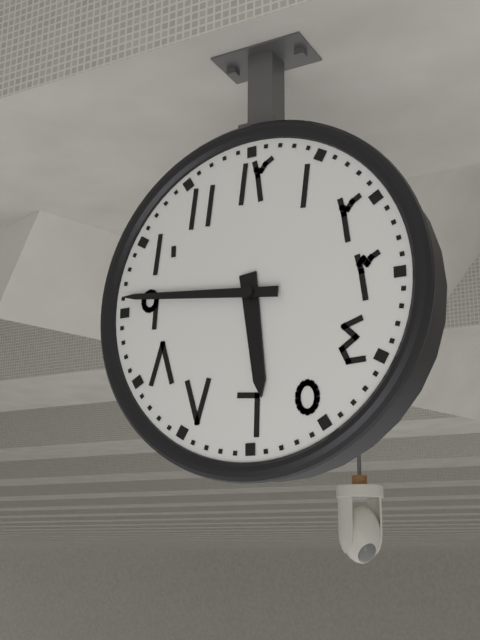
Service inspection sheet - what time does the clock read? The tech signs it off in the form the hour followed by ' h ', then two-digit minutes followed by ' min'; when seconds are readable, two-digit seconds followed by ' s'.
5 h 46 min
